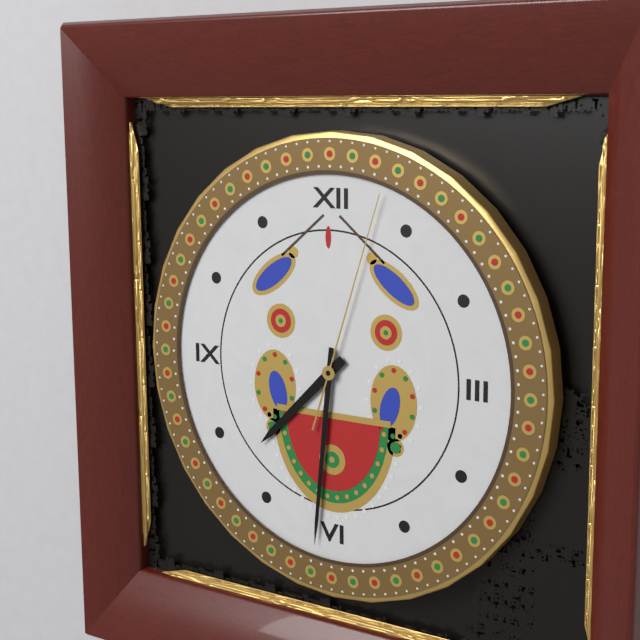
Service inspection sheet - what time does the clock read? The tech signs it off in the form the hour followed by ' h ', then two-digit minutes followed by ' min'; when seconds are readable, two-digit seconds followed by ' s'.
7 h 31 min 03 s
